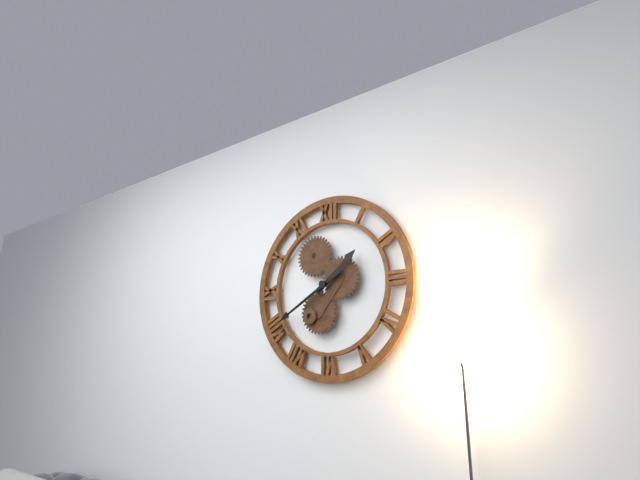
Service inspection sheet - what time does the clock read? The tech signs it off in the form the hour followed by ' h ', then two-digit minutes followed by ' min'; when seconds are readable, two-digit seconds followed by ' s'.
1 h 40 min
